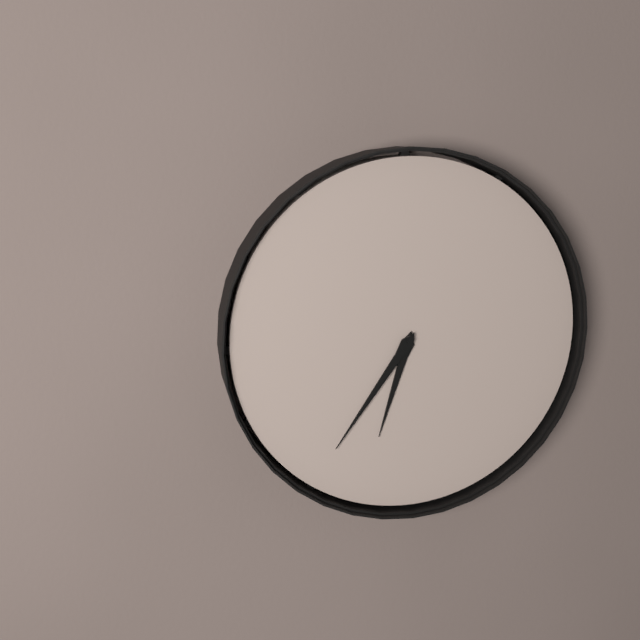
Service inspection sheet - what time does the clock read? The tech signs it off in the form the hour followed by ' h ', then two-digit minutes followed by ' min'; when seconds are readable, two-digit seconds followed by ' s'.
6 h 36 min
